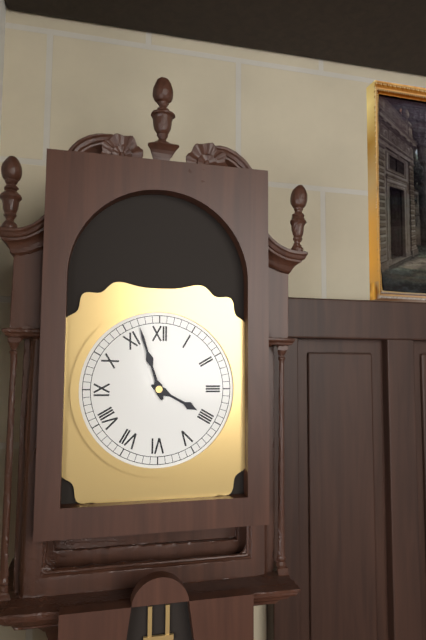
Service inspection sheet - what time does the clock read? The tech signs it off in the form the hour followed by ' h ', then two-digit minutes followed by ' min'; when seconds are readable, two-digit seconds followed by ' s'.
3 h 57 min
